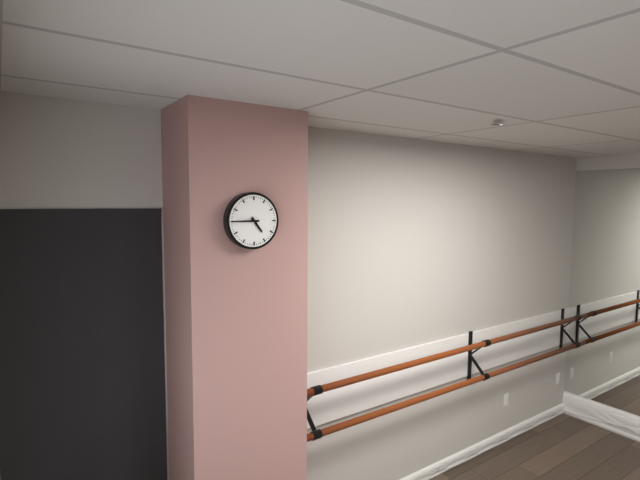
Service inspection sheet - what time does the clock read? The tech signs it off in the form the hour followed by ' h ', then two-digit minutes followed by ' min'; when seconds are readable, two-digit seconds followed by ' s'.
4 h 45 min
